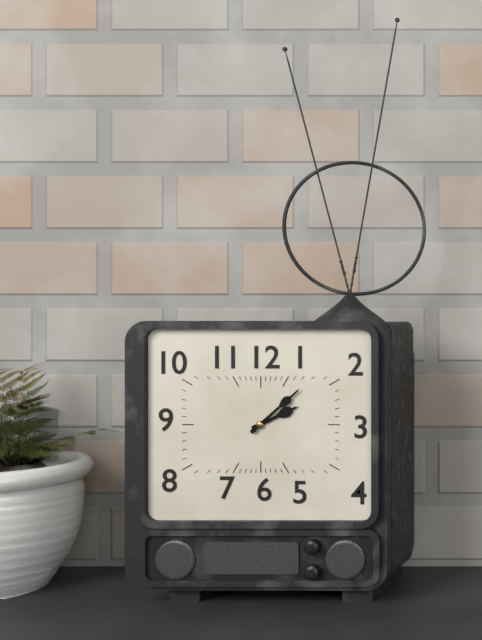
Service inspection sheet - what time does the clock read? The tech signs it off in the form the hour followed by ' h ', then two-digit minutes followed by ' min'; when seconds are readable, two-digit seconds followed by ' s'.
2 h 08 min
